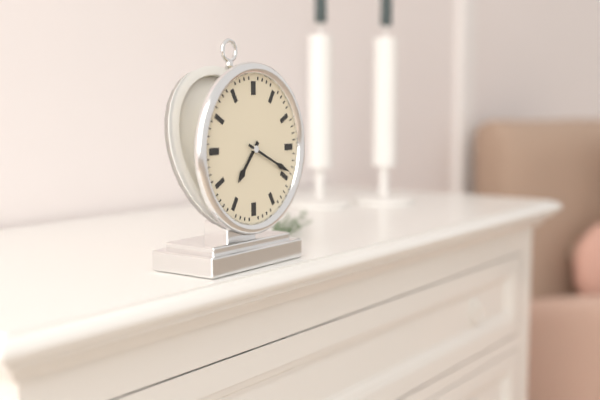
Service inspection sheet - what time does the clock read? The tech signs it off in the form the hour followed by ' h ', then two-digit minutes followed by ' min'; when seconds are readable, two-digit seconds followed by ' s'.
7 h 19 min
